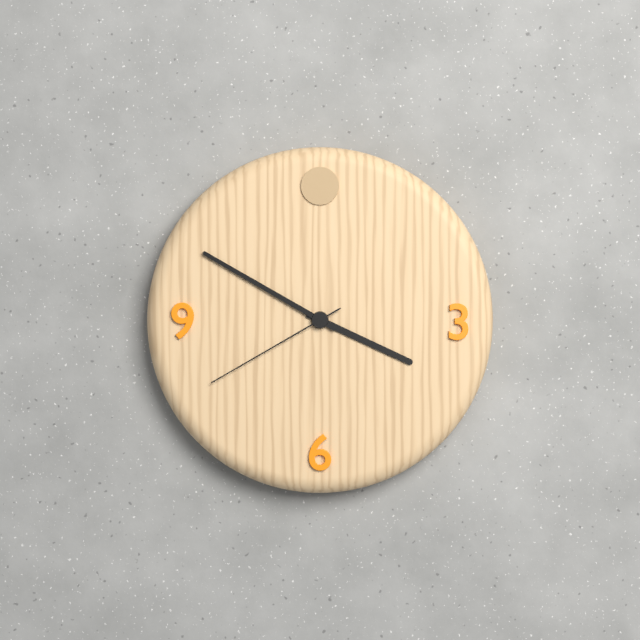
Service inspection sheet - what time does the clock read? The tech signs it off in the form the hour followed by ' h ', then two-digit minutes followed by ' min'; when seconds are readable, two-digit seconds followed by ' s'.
3 h 50 min 40 s
